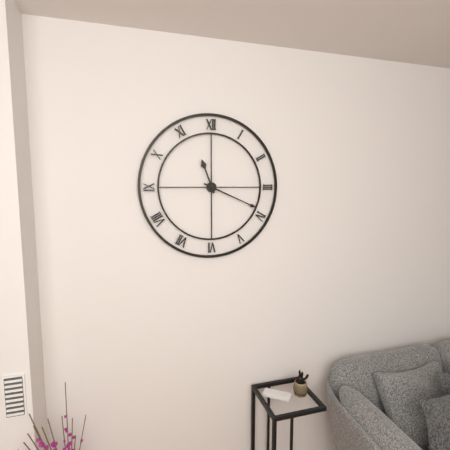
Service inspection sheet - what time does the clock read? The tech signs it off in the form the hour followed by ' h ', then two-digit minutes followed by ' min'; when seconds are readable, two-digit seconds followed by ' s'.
11 h 19 min
